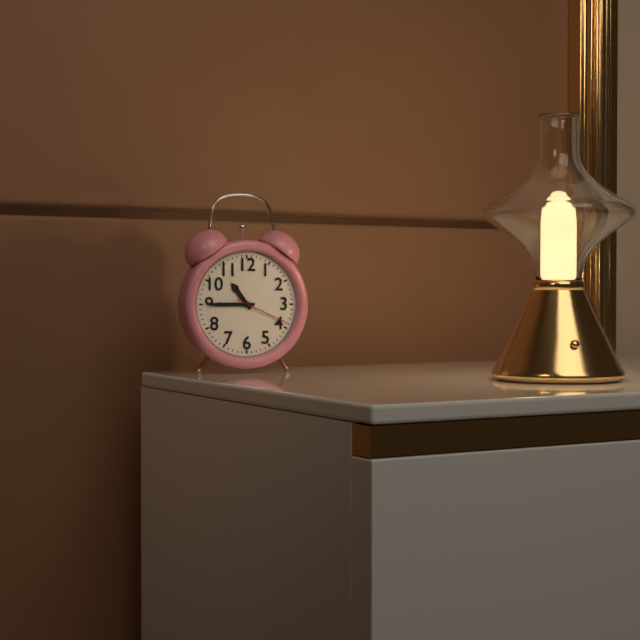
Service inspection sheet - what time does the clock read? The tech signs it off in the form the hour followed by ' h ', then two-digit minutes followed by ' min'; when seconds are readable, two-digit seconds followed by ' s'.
10 h 45 min 19 s
